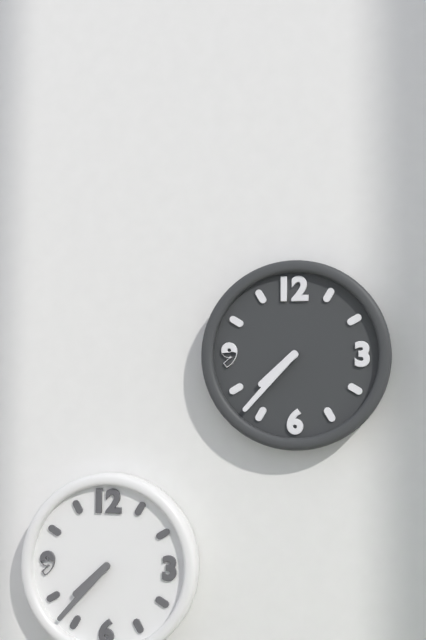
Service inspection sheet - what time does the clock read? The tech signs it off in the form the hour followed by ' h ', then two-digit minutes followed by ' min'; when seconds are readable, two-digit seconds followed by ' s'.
7 h 37 min
